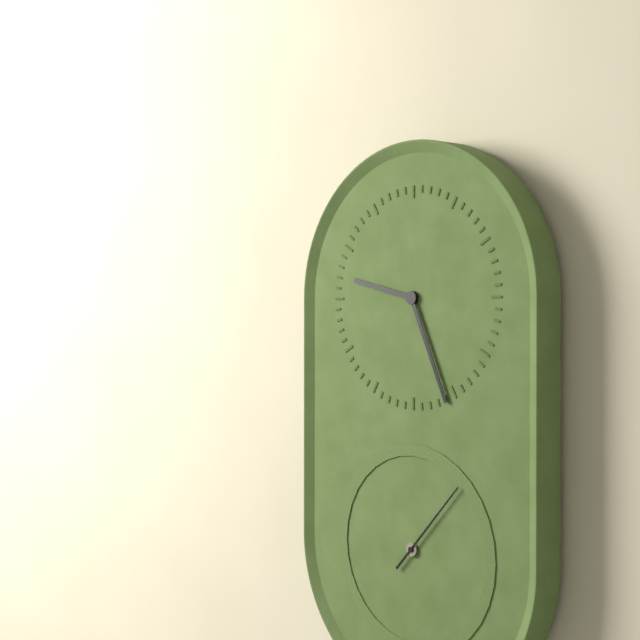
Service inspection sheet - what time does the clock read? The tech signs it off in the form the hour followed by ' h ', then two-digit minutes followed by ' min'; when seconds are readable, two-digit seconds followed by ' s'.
9 h 26 min 07 s
